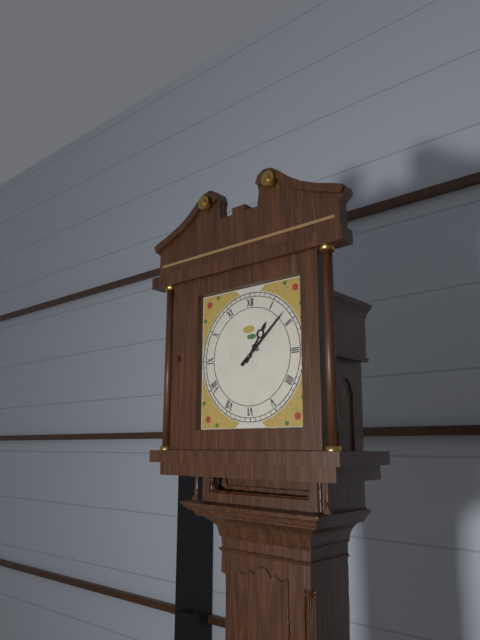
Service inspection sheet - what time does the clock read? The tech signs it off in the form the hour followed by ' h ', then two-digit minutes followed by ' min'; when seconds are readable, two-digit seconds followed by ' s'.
1 h 08 min
